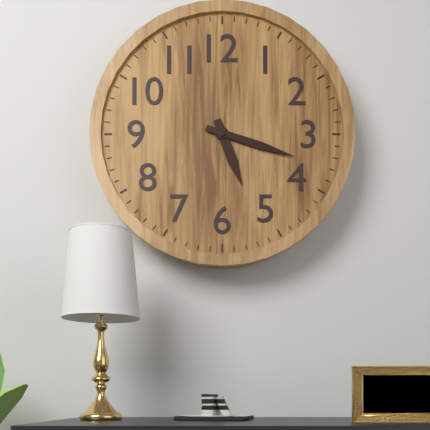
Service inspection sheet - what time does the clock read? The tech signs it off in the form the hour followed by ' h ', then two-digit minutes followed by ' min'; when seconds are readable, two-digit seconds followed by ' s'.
5 h 18 min
